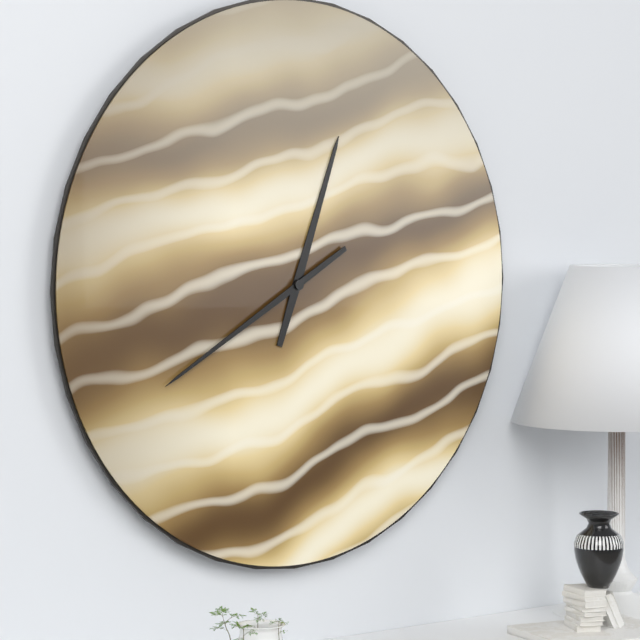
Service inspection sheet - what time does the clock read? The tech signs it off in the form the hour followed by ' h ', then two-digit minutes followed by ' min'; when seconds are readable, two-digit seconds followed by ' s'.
12 h 40 min
